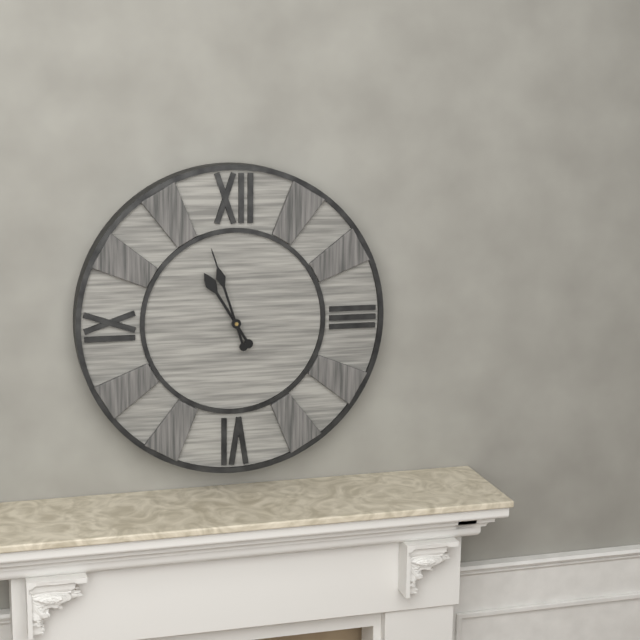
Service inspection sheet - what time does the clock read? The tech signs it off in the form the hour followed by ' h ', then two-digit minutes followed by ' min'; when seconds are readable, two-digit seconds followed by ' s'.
10 h 57 min
